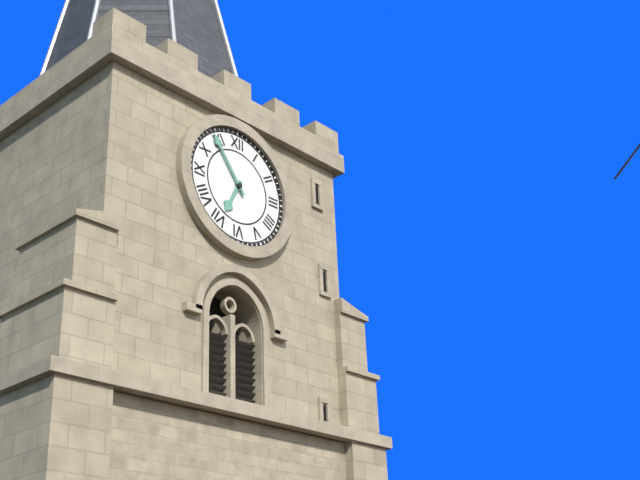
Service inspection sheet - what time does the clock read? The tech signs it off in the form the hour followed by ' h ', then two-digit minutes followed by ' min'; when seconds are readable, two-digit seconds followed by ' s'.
6 h 54 min
